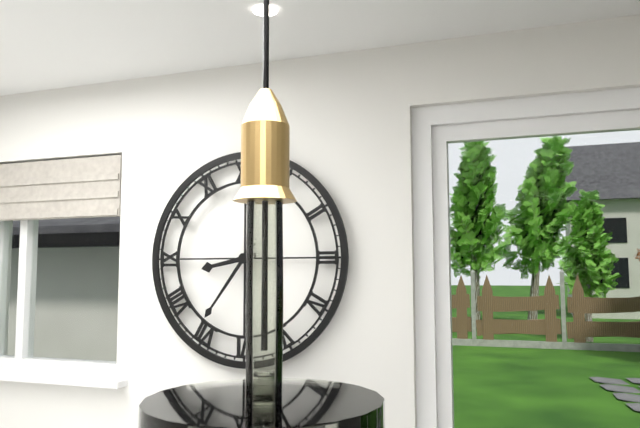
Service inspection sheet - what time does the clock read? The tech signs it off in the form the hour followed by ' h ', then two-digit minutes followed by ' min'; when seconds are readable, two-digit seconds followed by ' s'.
8 h 36 min
